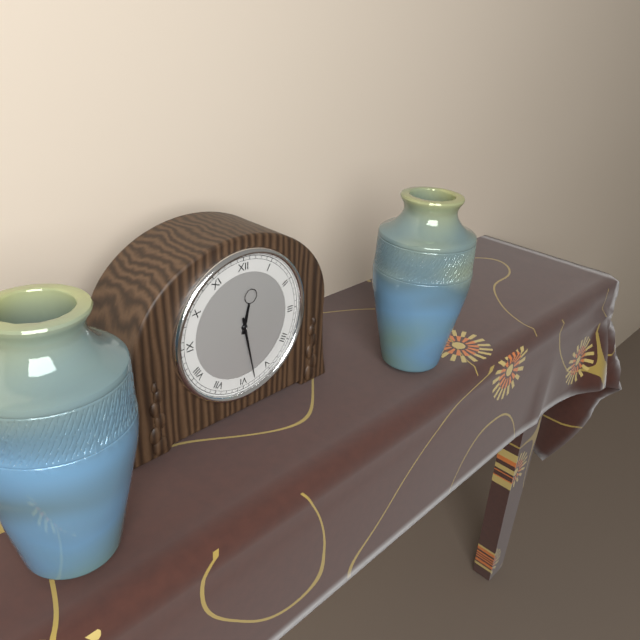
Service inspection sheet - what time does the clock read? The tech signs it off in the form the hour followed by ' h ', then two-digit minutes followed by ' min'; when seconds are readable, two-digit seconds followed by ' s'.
12 h 28 min
